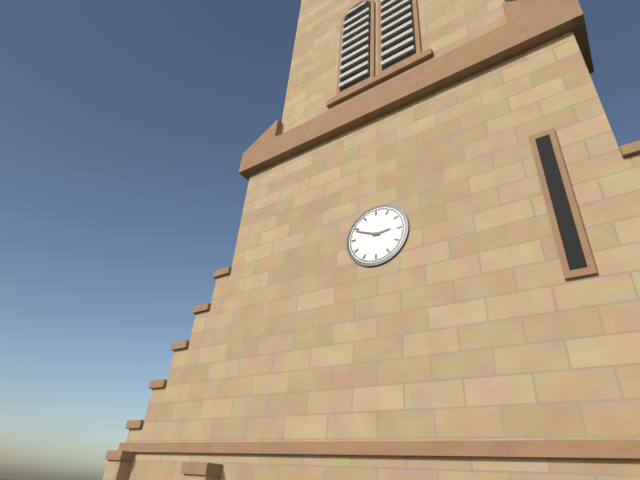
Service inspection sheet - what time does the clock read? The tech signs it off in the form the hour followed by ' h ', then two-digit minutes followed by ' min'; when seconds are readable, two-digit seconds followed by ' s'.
2 h 49 min
